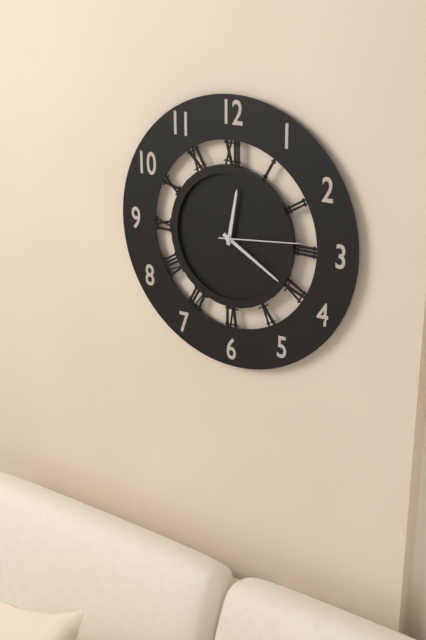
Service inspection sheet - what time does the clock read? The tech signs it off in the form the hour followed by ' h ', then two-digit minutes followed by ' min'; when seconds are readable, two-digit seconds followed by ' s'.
12 h 20 min 14 s
